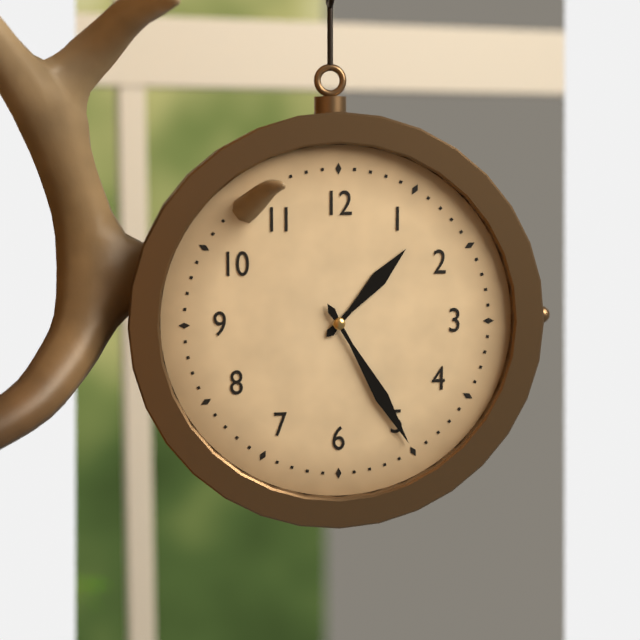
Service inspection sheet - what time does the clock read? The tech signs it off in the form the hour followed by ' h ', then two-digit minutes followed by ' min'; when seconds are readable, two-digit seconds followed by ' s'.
1 h 25 min
